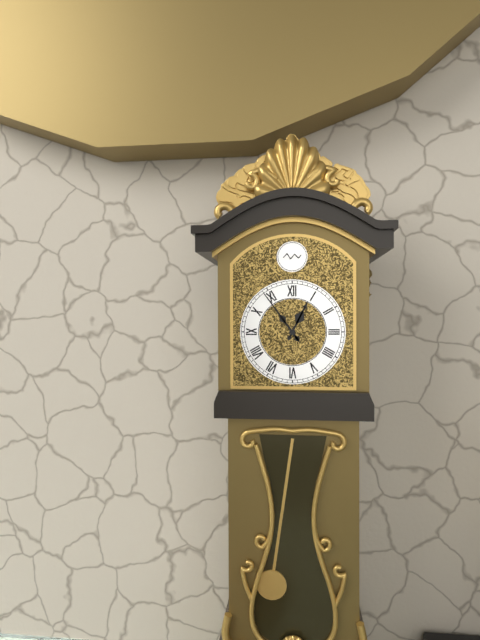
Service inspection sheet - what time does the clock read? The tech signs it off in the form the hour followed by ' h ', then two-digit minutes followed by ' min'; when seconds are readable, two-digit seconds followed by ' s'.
12 h 54 min
